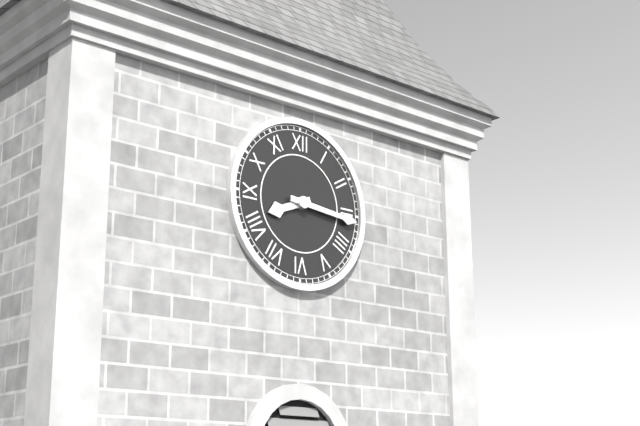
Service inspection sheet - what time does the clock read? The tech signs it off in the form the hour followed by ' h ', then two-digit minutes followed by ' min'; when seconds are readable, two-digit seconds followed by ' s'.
8 h 16 min
